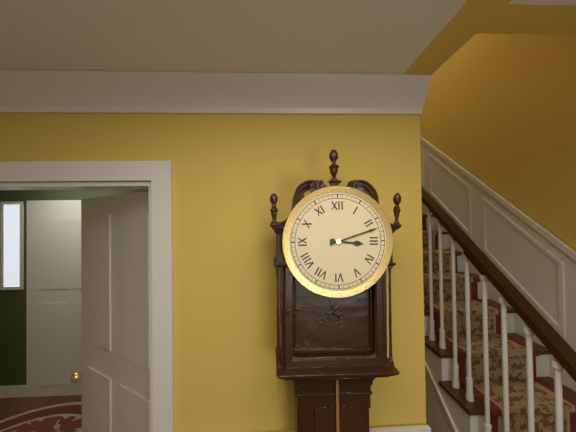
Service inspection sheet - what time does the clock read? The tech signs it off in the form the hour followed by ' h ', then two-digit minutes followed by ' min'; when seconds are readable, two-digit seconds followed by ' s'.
3 h 12 min
